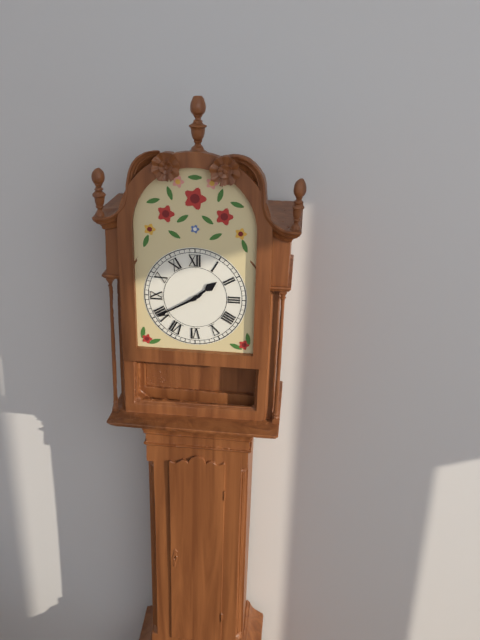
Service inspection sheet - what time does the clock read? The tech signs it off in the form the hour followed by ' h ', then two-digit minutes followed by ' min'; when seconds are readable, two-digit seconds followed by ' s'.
1 h 40 min
